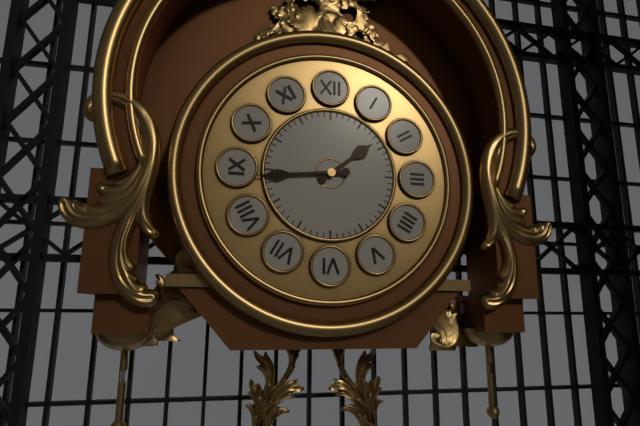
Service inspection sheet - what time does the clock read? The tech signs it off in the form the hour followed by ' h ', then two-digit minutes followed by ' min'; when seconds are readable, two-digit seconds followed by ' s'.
1 h 44 min
